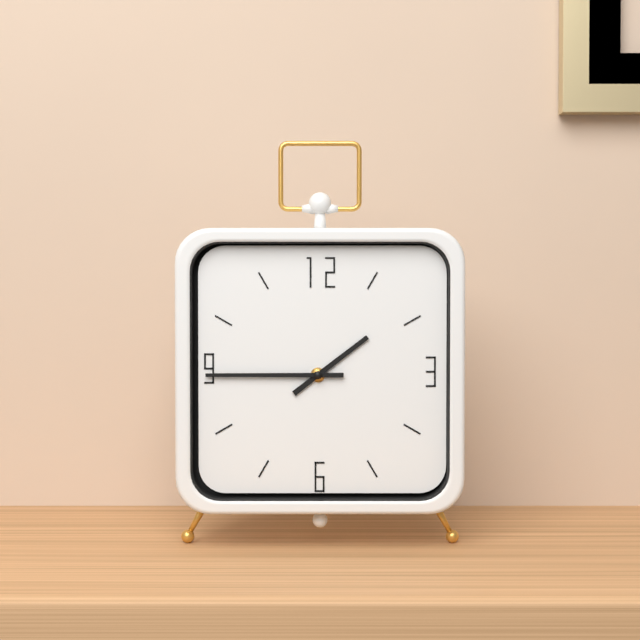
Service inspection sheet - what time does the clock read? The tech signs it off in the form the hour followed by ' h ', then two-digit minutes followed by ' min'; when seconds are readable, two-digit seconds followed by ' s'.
1 h 45 min
